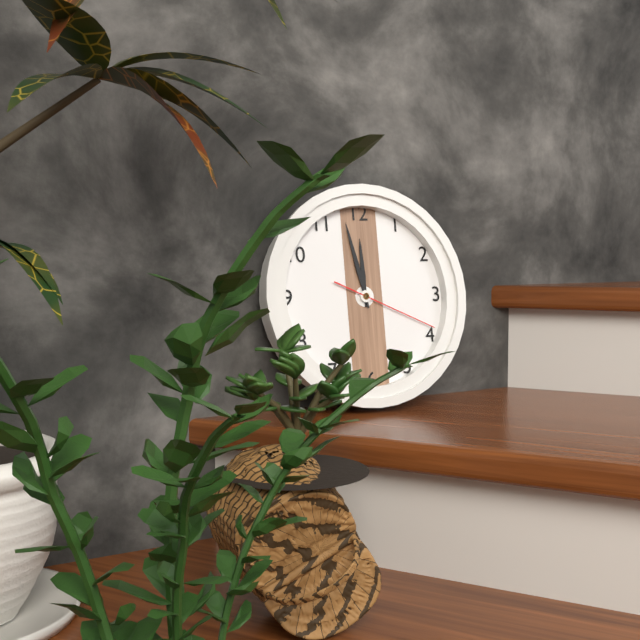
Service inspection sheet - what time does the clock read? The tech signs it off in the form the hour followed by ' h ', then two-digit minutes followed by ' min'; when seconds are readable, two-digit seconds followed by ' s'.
11 h 58 min 19 s
